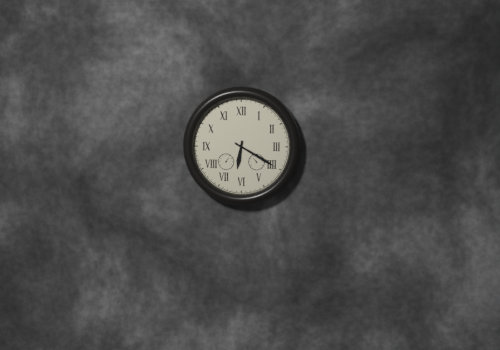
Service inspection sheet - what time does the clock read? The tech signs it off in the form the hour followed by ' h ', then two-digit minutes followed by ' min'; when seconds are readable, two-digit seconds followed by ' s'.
6 h 20 min
